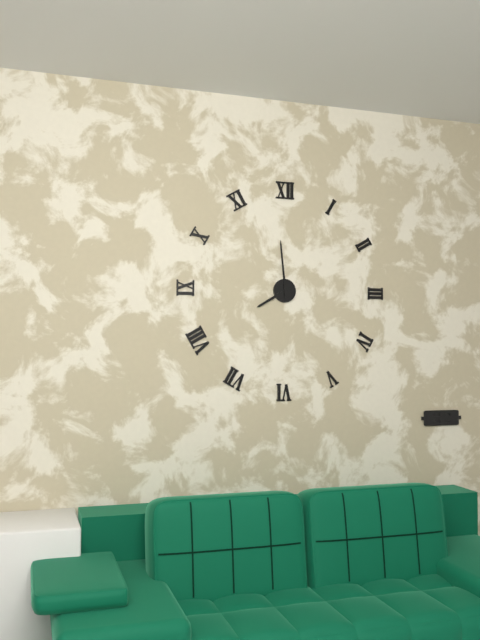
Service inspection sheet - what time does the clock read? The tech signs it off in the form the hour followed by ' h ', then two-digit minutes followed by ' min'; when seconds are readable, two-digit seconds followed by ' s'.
7 h 59 min
